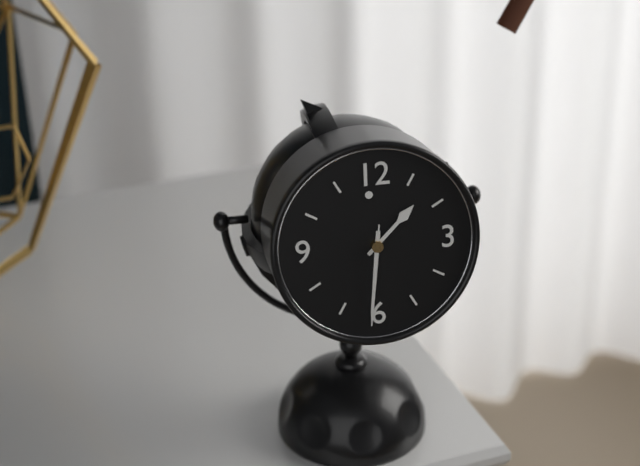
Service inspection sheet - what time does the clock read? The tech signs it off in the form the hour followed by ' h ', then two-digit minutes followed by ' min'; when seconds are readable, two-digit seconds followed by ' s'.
1 h 31 min 31 s
